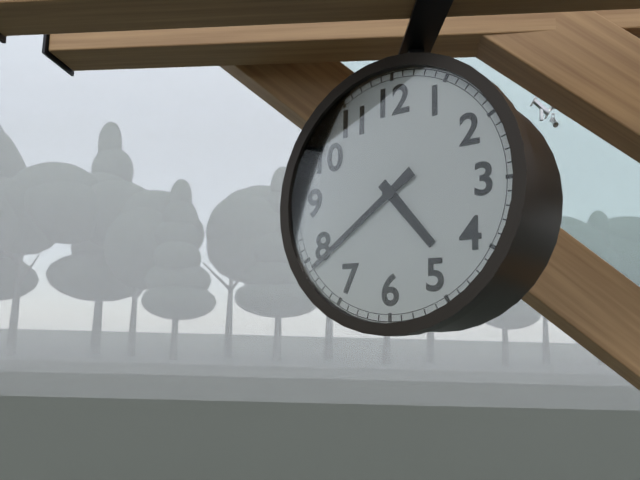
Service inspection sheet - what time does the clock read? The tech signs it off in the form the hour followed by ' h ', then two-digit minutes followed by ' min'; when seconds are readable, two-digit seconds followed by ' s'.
4 h 39 min
